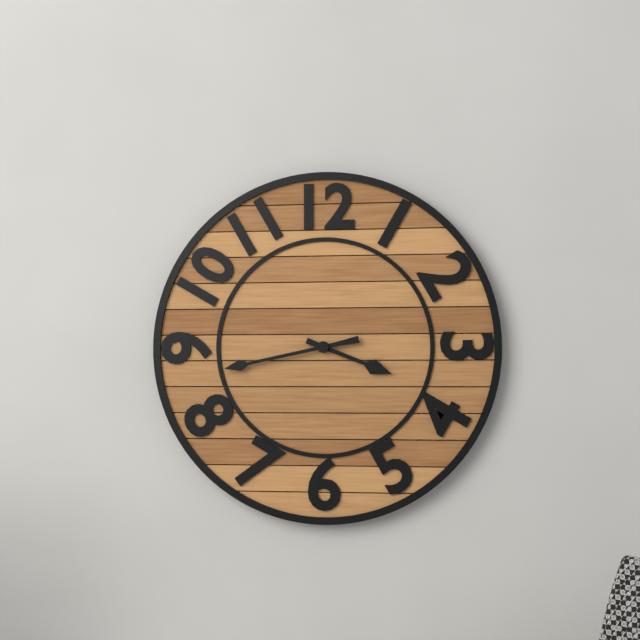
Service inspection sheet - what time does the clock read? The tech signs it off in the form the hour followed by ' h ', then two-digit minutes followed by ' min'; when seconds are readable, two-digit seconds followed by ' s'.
3 h 43 min
